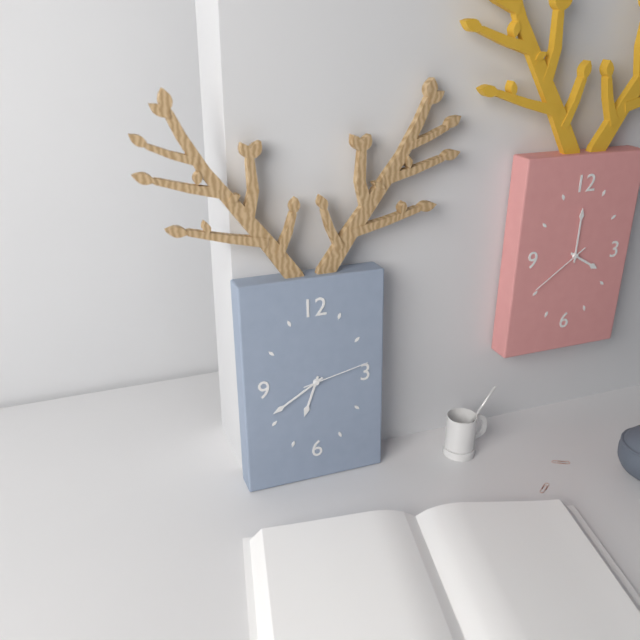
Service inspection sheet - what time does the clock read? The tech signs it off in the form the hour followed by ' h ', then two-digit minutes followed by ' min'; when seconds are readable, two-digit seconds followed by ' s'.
6 h 40 min 13 s
